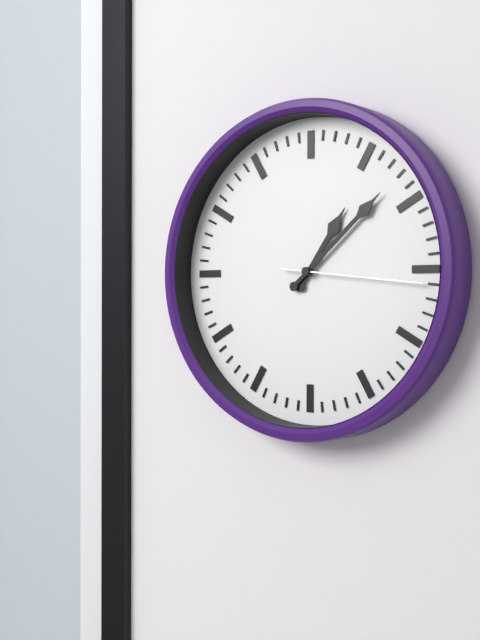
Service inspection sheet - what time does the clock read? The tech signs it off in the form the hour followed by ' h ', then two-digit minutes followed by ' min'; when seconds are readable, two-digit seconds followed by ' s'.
1 h 08 min 16 s
